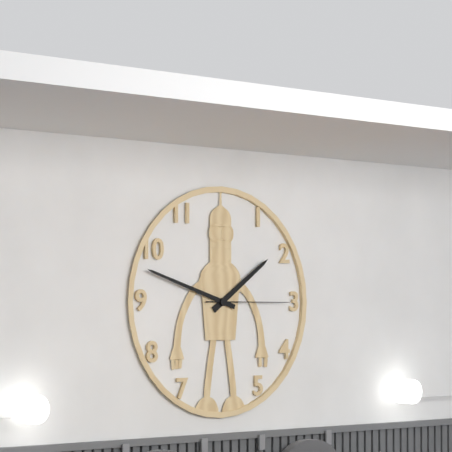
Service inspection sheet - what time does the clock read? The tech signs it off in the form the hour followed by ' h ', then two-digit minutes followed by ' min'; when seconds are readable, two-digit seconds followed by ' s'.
1 h 48 min 15 s
